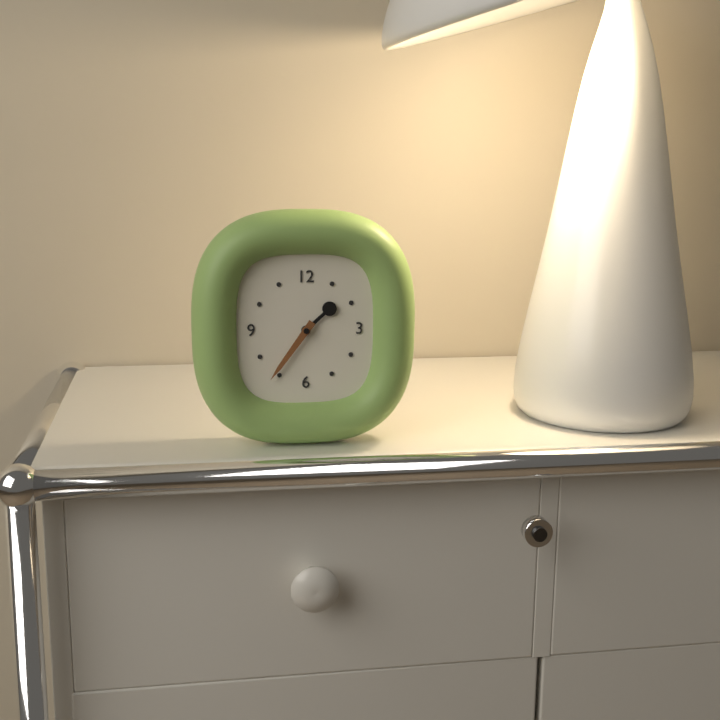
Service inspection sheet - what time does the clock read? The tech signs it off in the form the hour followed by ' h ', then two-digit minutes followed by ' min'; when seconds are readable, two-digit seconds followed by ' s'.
1 h 36 min
